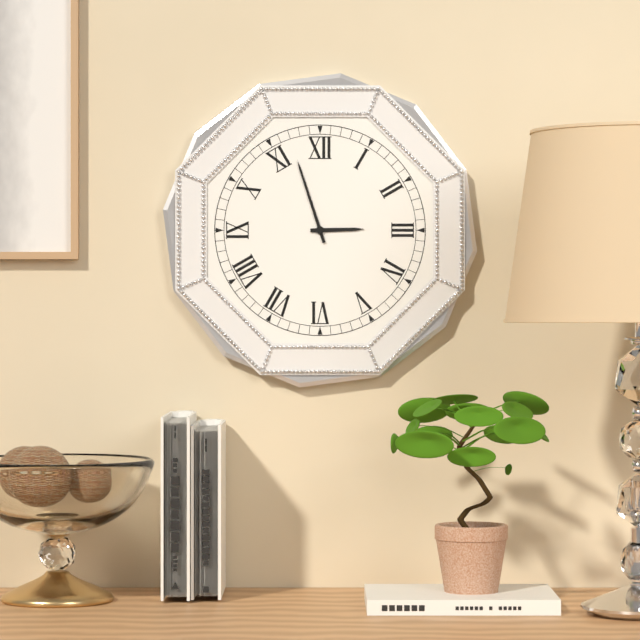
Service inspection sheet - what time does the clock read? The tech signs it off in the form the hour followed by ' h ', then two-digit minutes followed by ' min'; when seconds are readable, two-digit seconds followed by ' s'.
2 h 57 min
